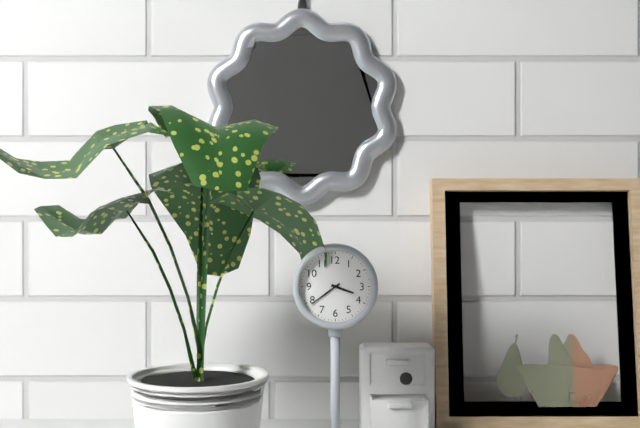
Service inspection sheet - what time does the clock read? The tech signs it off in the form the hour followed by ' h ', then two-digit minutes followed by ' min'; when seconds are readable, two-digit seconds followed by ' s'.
3 h 39 min
